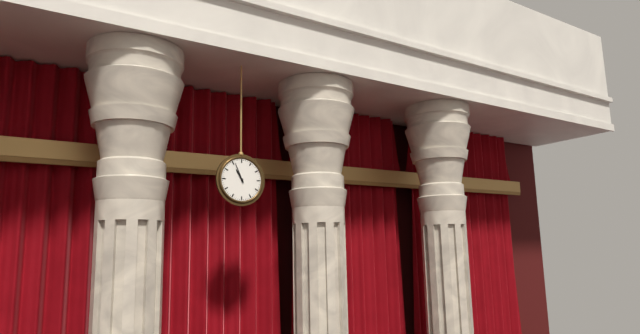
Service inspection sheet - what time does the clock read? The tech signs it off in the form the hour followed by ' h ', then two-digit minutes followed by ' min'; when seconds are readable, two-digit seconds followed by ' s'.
10 h 56 min
